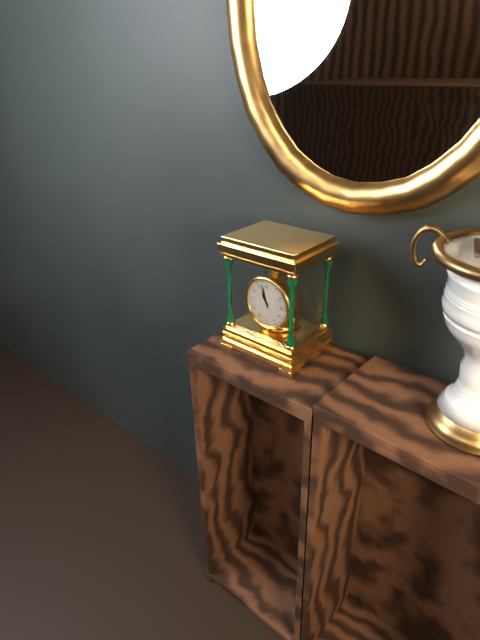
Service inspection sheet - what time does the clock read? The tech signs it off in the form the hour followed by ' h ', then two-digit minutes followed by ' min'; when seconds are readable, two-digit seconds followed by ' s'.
10 h 57 min
